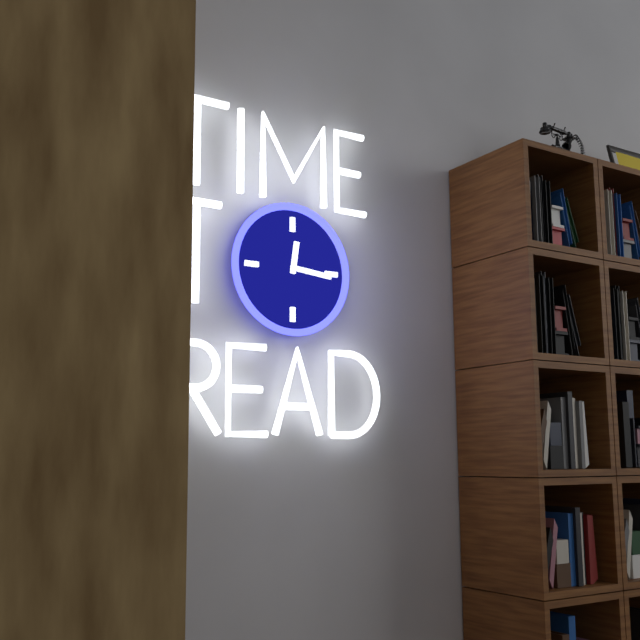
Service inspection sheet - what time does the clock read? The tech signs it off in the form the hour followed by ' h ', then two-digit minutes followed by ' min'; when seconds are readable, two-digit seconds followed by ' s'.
12 h 16 min
